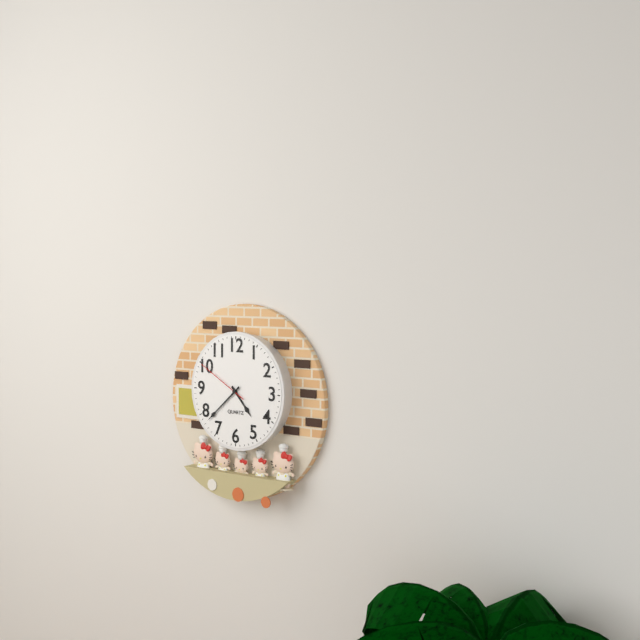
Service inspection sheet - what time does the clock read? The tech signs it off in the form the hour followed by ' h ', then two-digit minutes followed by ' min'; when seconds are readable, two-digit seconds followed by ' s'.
4 h 38 min 50 s
